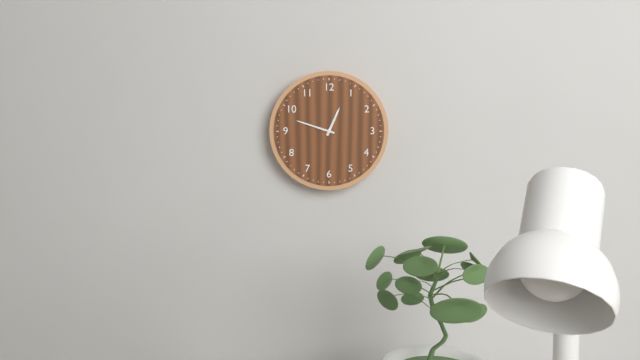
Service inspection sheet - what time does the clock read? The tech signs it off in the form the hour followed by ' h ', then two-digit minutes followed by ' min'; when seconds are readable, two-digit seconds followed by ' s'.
12 h 48 min
